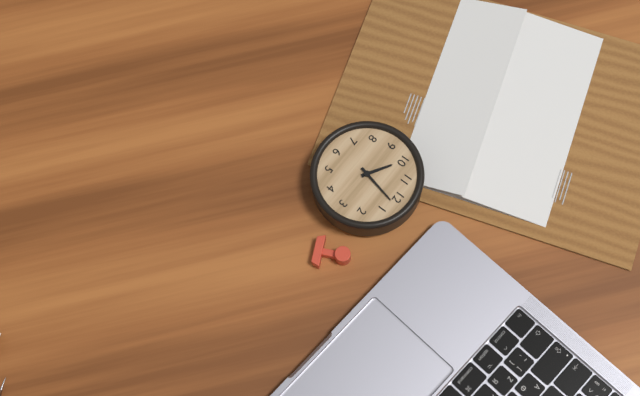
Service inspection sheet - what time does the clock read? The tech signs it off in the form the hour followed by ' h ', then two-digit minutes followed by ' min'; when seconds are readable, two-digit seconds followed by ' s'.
10 h 02 min
